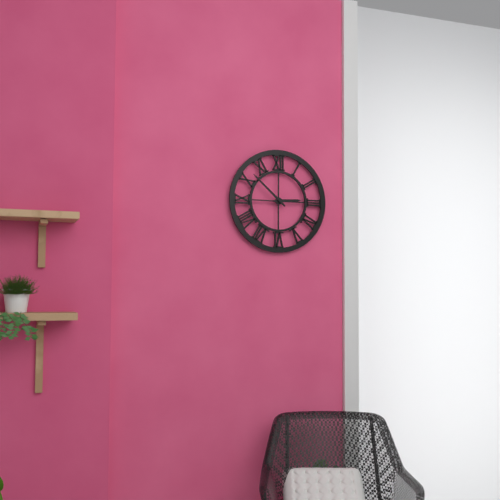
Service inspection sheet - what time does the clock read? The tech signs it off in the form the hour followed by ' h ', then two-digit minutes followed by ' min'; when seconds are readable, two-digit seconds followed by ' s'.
2 h 52 min
